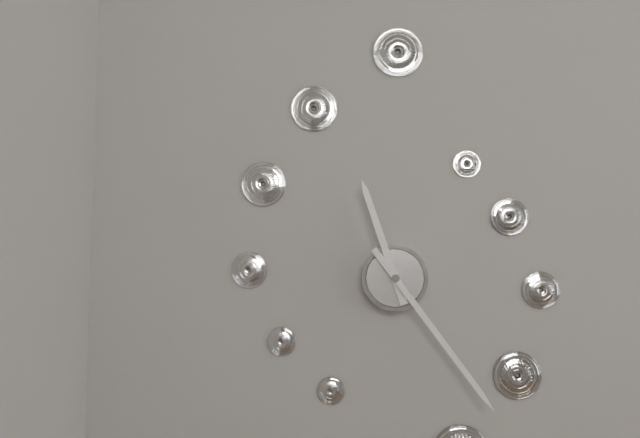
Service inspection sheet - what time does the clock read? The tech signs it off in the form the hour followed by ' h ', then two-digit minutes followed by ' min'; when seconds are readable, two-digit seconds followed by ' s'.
11 h 24 min
